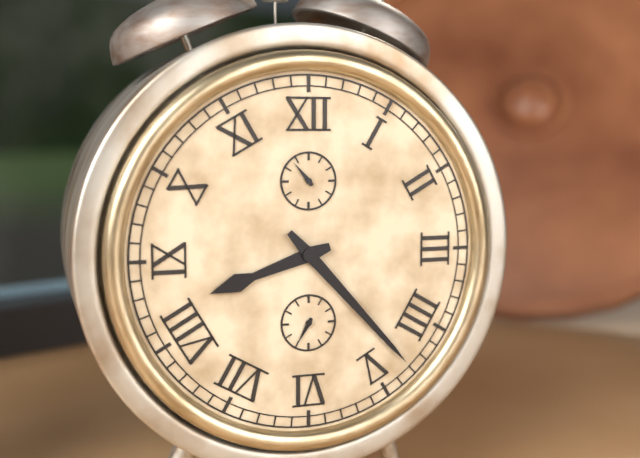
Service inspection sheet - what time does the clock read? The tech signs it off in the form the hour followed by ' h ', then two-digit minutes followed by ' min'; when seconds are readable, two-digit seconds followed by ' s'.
8 h 23 min
